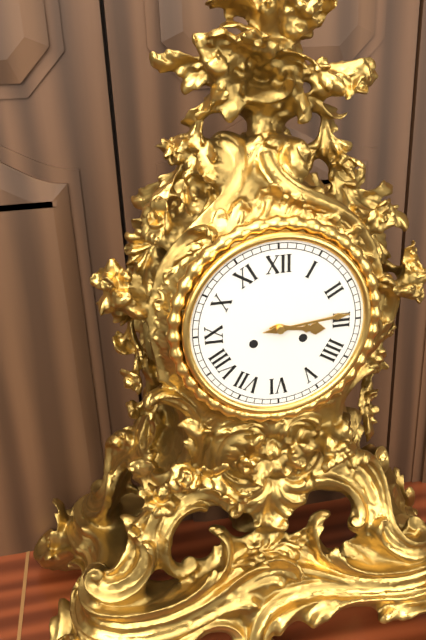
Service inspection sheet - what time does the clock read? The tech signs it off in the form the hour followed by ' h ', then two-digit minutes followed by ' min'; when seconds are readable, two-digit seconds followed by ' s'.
3 h 14 min
